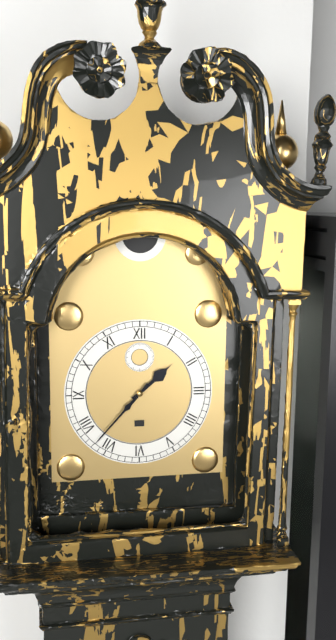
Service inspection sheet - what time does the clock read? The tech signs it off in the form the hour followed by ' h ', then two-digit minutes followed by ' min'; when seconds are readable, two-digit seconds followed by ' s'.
1 h 37 min
